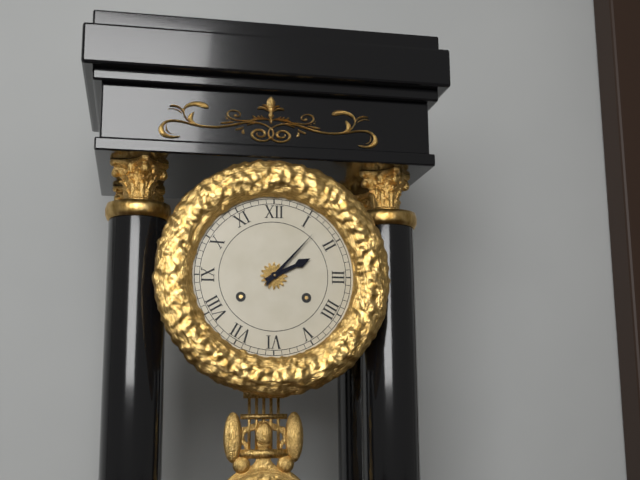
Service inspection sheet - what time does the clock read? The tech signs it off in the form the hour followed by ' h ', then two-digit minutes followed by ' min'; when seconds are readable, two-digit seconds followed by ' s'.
2 h 07 min
